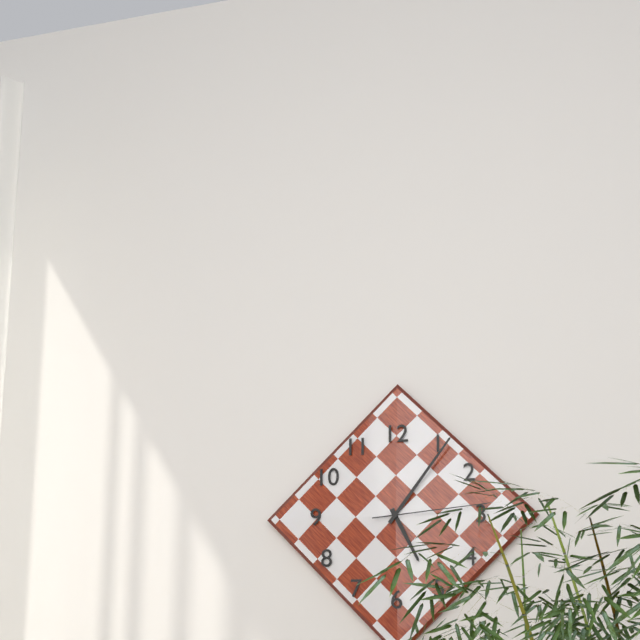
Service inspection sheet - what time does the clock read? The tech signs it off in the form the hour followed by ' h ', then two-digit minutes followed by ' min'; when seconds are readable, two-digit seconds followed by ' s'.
5 h 06 min 14 s
